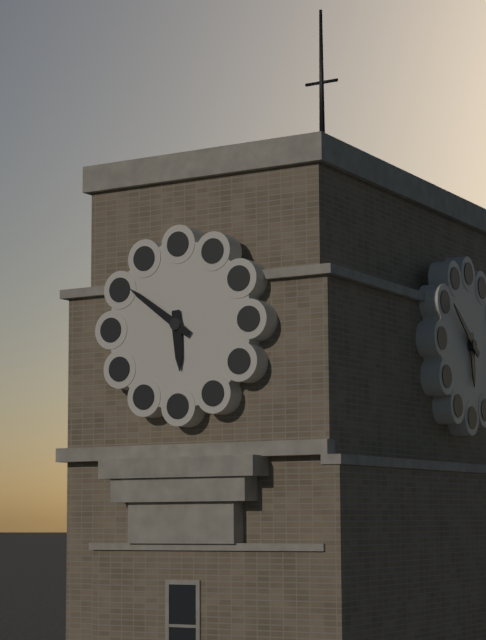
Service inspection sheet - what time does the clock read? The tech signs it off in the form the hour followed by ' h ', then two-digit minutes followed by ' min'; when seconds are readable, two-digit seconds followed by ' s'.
5 h 51 min
